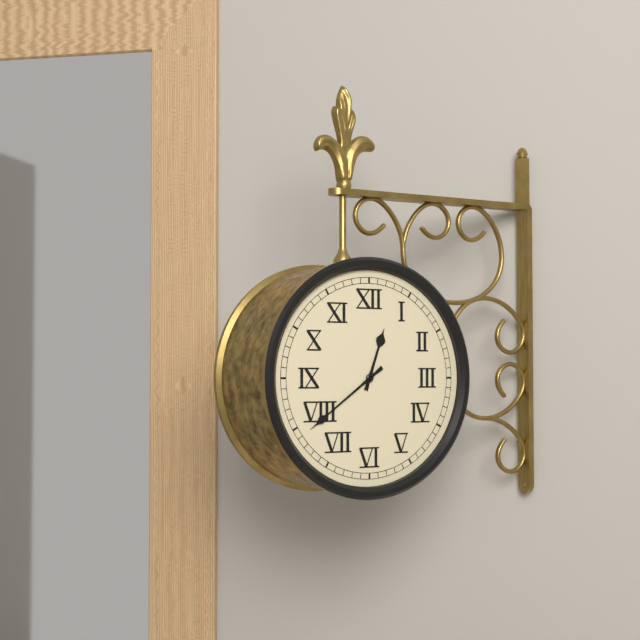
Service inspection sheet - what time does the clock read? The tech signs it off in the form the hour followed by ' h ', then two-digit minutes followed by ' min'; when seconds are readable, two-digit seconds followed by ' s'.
12 h 39 min
